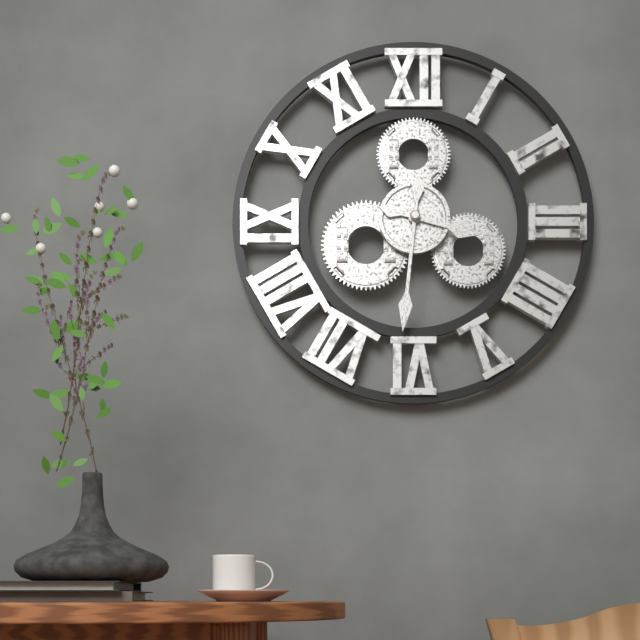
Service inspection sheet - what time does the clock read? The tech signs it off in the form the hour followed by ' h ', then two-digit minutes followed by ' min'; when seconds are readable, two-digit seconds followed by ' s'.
3 h 31 min
